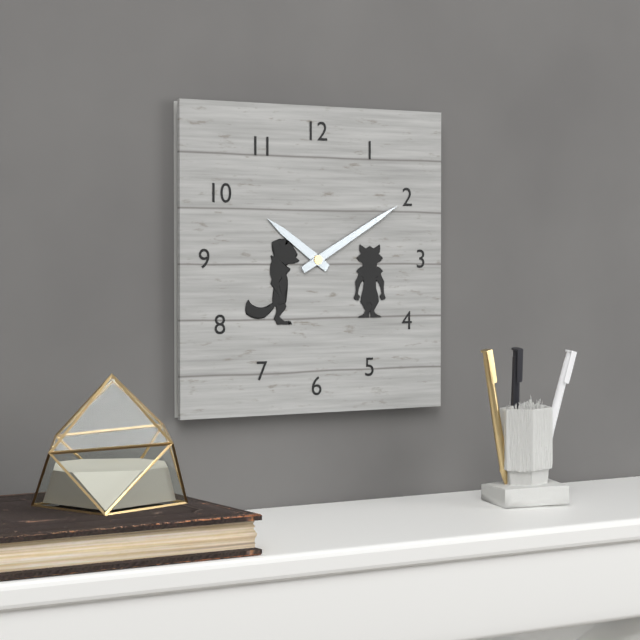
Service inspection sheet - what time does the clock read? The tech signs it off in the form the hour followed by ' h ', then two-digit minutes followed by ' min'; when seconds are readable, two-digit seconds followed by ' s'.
10 h 10 min
